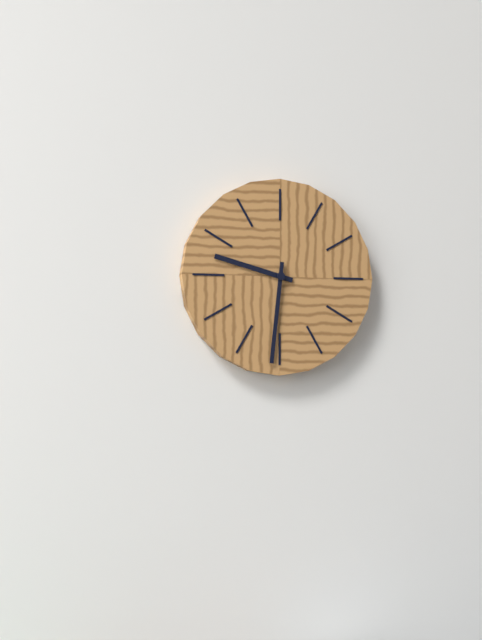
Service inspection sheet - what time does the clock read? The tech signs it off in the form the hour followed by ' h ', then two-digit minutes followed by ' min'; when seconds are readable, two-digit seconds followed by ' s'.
9 h 31 min
